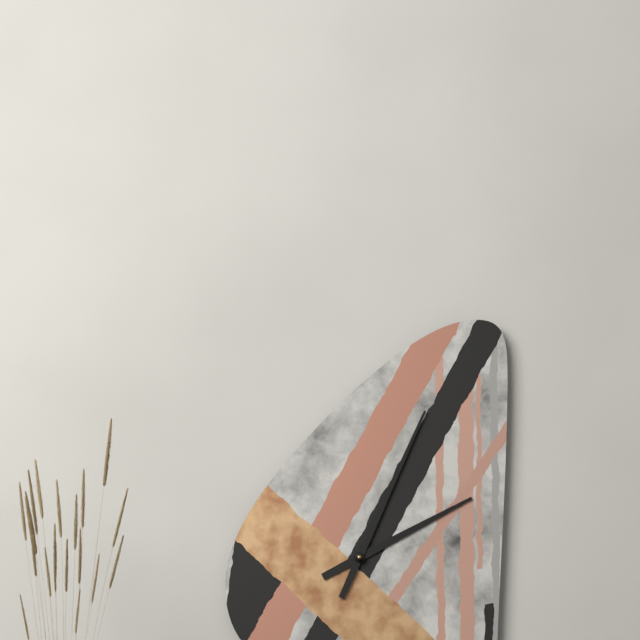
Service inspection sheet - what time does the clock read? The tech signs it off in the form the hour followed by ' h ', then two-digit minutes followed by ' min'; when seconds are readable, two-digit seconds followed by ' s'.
2 h 04 min
